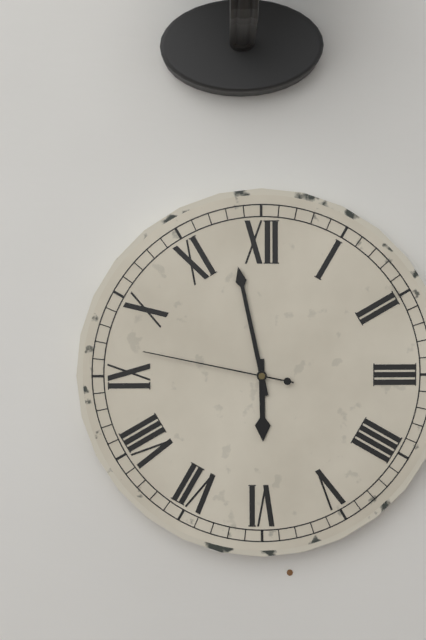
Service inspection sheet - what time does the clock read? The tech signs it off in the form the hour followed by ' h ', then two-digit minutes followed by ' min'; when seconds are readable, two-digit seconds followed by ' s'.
5 h 58 min 47 s
